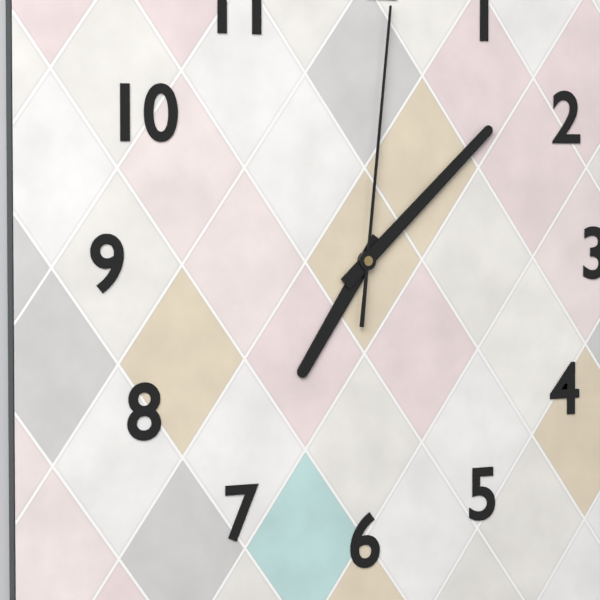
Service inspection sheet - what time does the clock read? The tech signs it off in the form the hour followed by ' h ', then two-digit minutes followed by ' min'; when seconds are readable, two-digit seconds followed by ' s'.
7 h 08 min 01 s
